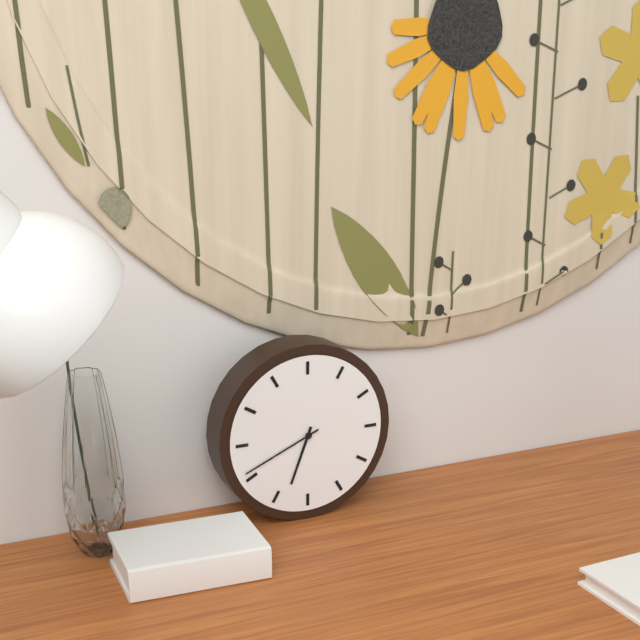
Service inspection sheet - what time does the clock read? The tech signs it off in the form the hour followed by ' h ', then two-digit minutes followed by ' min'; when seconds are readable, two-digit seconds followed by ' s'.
6 h 41 min
